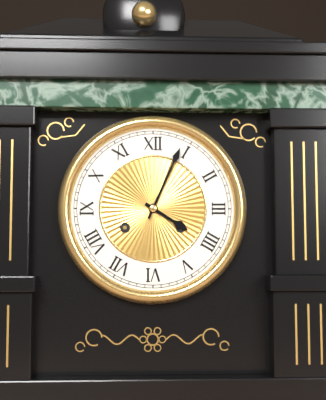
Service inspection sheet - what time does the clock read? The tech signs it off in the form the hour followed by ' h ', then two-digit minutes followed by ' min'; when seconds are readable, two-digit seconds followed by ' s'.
4 h 04 min
